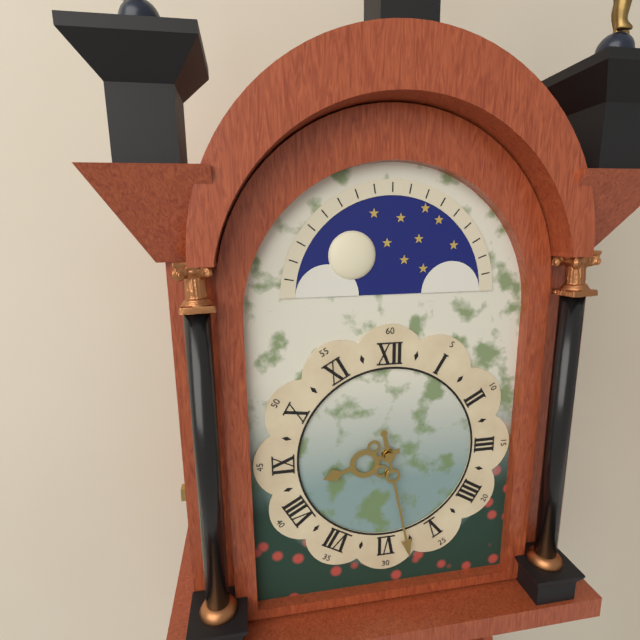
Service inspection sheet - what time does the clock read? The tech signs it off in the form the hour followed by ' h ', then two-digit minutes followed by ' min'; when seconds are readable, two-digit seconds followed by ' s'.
8 h 28 min
